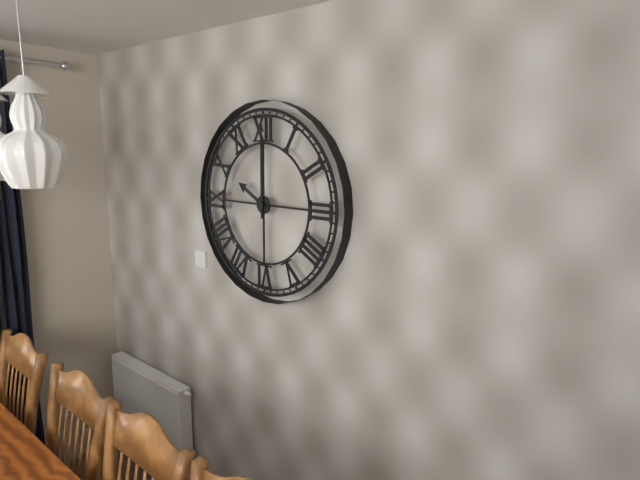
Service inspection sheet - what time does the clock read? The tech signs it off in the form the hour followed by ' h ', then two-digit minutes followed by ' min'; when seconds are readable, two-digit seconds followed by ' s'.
10 h 00 min
